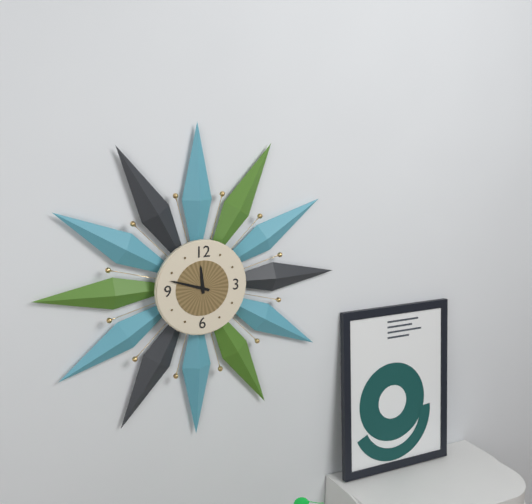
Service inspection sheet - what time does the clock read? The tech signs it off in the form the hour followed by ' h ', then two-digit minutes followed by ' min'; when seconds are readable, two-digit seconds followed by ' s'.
11 h 48 min
